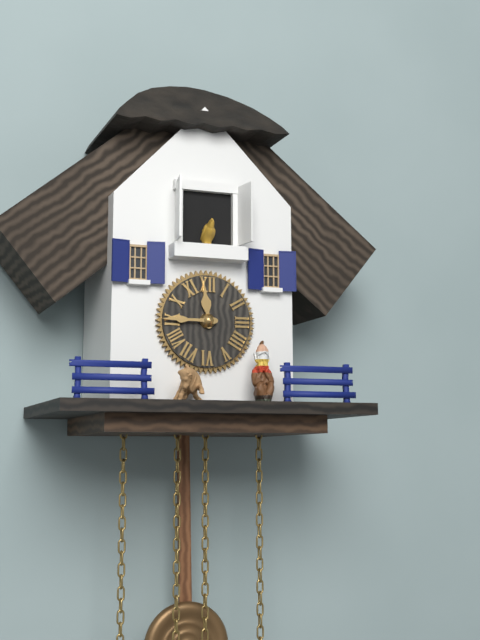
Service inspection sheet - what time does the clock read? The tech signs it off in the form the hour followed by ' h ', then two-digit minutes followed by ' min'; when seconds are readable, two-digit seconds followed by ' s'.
11 h 45 min
